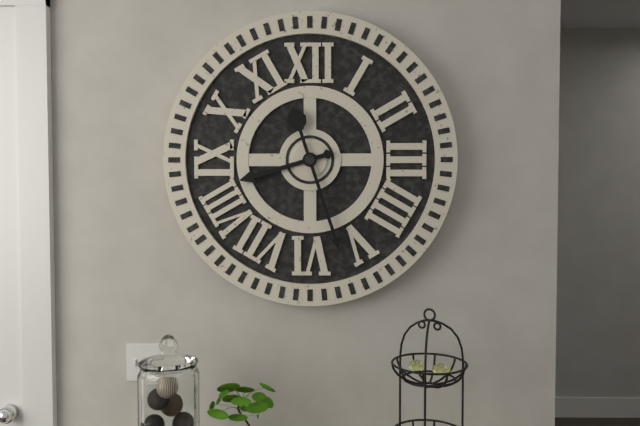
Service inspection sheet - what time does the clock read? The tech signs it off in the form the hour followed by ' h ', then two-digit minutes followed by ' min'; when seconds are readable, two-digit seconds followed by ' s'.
8 h 27 min
